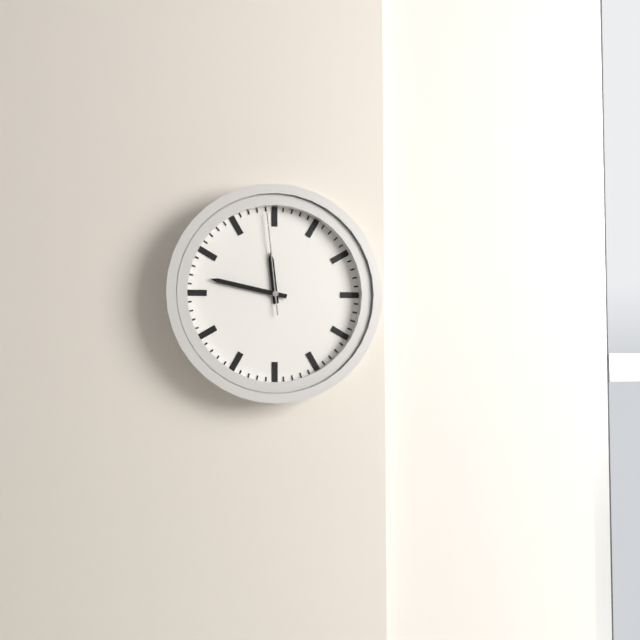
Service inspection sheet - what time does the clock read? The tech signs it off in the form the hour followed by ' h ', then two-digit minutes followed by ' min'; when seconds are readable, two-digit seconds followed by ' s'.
11 h 47 min 59 s
